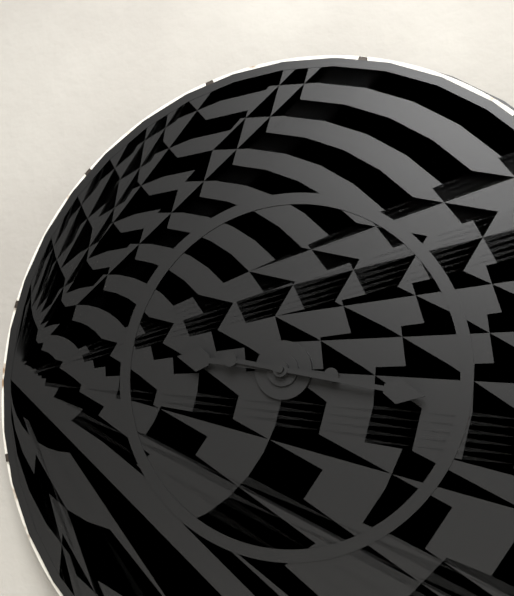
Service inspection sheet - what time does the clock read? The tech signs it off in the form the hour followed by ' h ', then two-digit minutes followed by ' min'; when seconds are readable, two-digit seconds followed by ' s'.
9 h 17 min
